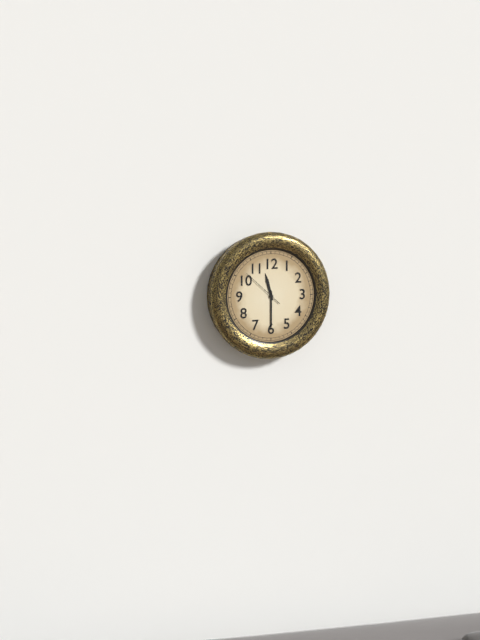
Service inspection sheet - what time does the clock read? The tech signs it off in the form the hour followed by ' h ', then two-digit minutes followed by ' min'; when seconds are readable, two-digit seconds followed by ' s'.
11 h 30 min
